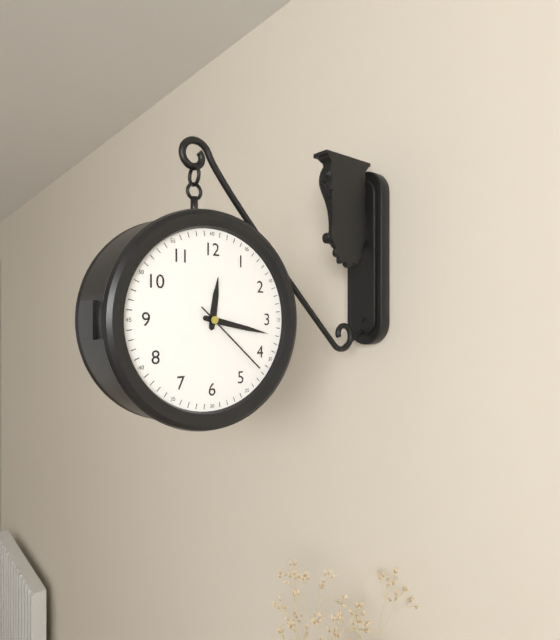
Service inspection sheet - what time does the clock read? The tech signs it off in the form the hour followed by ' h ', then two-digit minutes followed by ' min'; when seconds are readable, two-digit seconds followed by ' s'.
12 h 17 min 22 s
